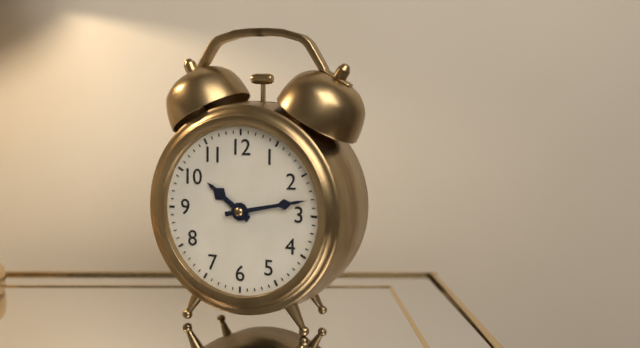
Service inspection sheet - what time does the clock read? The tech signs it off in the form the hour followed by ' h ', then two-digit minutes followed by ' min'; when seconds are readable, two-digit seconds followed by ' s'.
10 h 13 min
